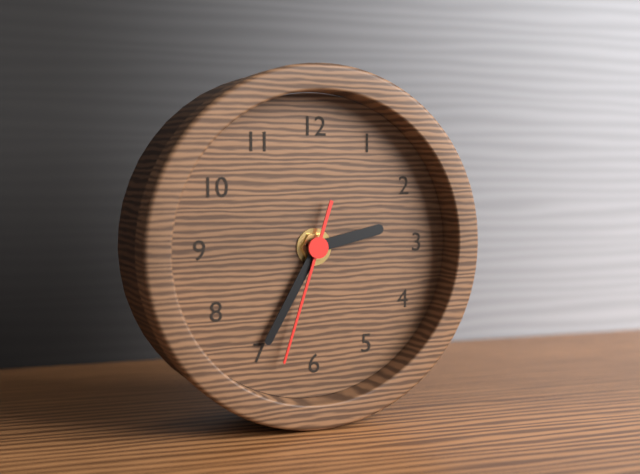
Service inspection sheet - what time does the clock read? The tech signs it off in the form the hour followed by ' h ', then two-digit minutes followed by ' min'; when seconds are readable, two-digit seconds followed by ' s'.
2 h 35 min 33 s
